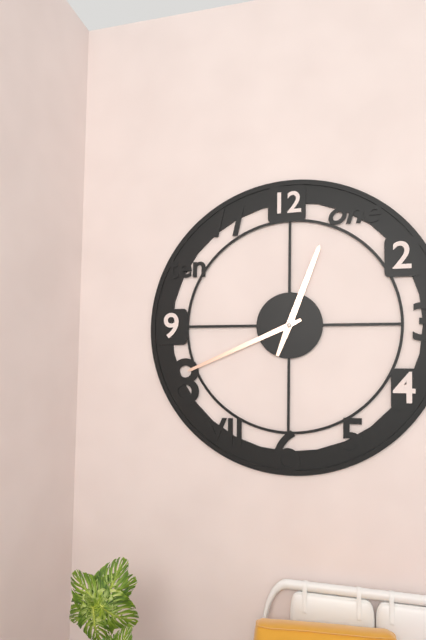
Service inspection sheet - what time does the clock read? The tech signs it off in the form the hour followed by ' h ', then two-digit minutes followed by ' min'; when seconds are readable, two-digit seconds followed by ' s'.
12 h 41 min
